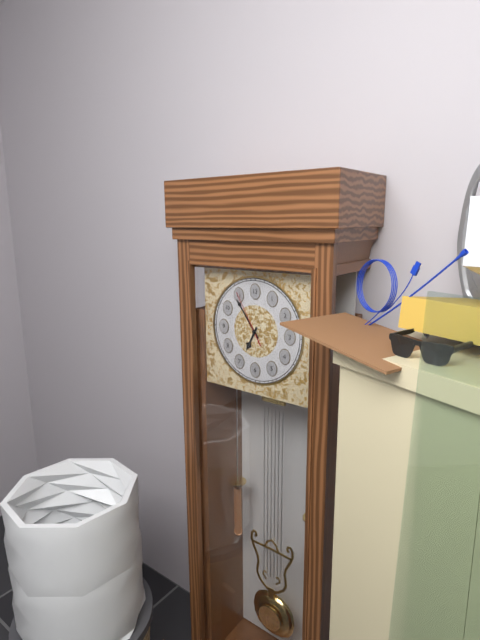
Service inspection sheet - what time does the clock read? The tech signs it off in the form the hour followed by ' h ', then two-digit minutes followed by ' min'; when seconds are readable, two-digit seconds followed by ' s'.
6 h 54 min 55 s
